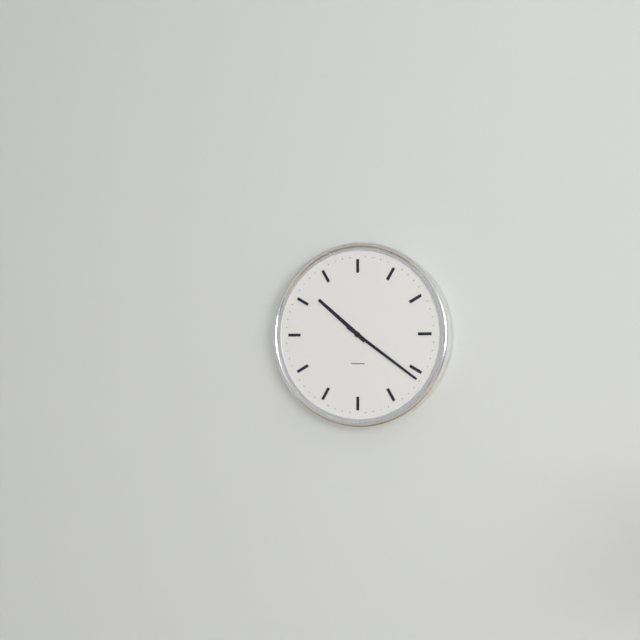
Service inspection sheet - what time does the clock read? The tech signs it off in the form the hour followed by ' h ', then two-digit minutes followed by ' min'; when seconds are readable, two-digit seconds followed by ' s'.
10 h 21 min
